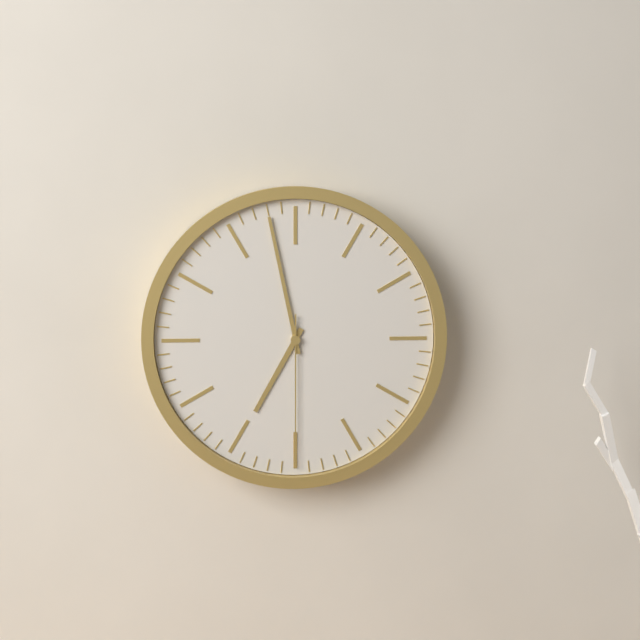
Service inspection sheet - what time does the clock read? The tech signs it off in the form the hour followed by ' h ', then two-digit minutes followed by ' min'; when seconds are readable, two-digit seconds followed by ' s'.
6 h 58 min 30 s
